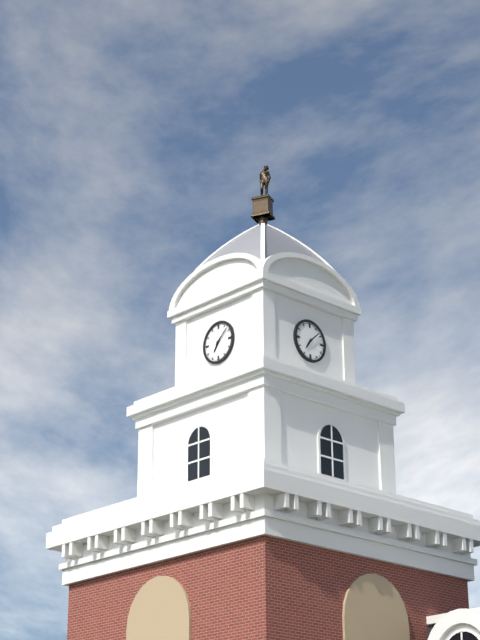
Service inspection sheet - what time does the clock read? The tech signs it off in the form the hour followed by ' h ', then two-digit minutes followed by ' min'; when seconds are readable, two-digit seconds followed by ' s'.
7 h 08 min
